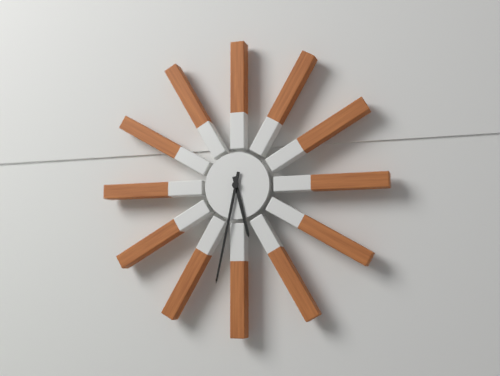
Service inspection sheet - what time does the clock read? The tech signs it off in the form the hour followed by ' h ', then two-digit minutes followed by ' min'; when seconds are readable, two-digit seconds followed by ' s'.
5 h 32 min
